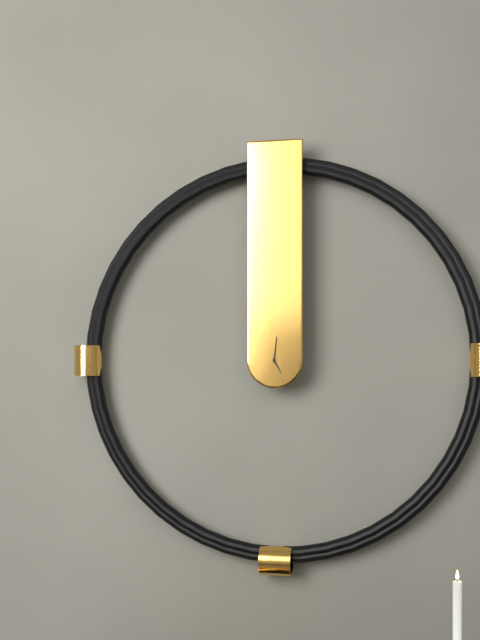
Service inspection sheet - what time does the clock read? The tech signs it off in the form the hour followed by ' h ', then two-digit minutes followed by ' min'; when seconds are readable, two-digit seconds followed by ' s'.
5 h 01 min
